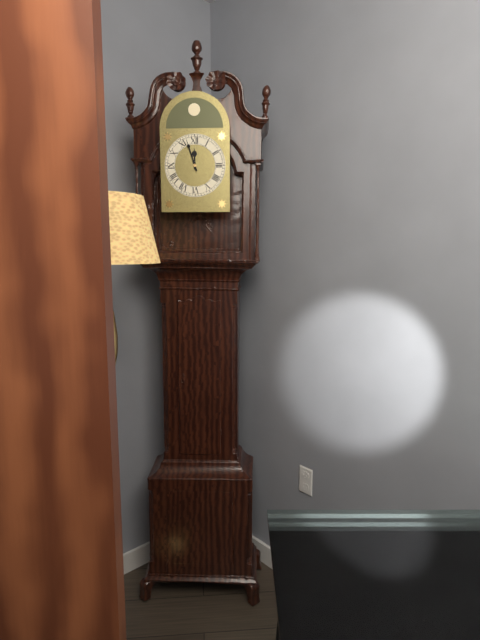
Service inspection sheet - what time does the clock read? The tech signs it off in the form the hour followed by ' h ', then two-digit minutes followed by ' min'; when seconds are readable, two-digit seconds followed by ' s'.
11 h 57 min
